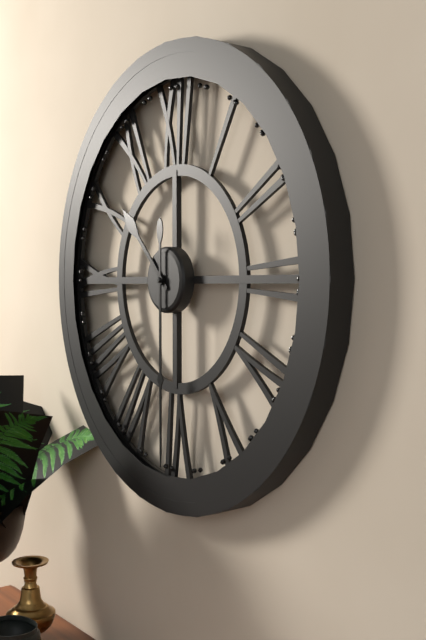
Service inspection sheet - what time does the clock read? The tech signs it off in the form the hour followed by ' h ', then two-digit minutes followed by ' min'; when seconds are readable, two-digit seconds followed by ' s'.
10 h 30 min
